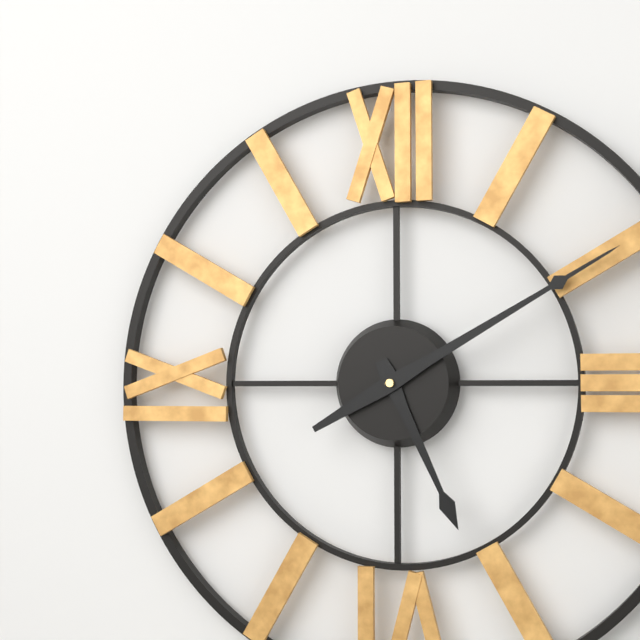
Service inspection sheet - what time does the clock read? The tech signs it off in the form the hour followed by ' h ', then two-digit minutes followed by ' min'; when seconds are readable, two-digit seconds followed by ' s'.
5 h 10 min
